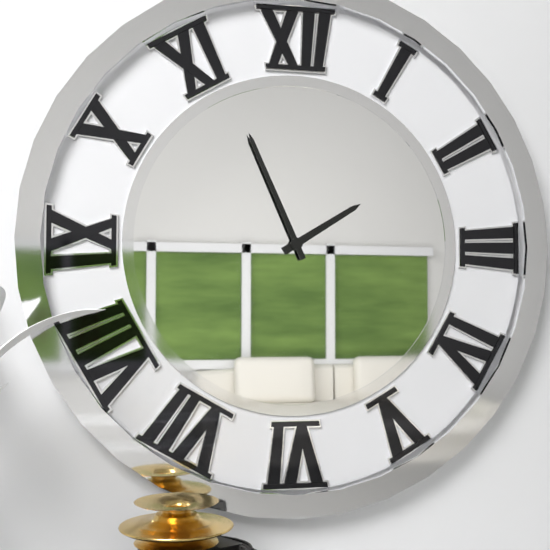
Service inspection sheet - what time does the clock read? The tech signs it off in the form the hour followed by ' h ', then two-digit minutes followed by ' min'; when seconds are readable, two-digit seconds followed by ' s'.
1 h 56 min
